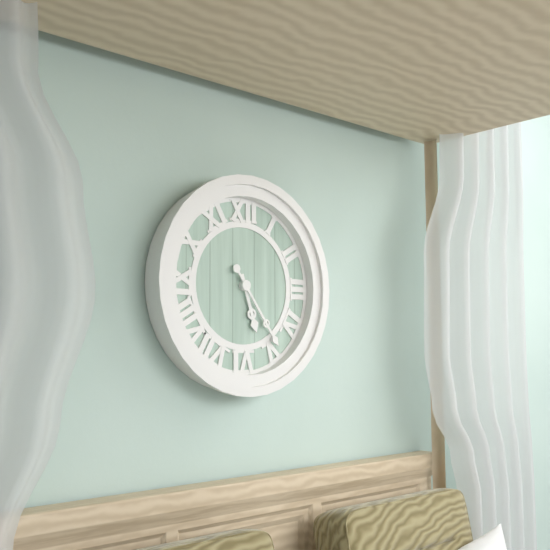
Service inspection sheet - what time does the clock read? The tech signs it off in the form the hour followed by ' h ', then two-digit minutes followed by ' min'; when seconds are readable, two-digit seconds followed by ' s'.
5 h 24 min
